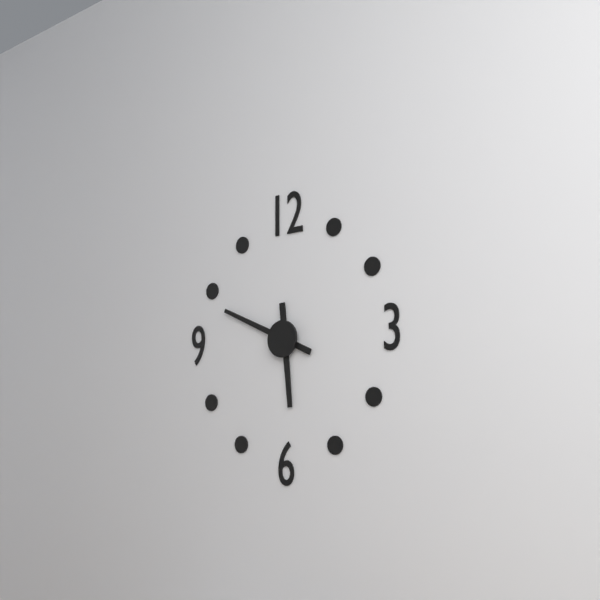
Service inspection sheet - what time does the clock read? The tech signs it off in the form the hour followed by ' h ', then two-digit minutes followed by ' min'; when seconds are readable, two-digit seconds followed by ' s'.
5 h 49 min
